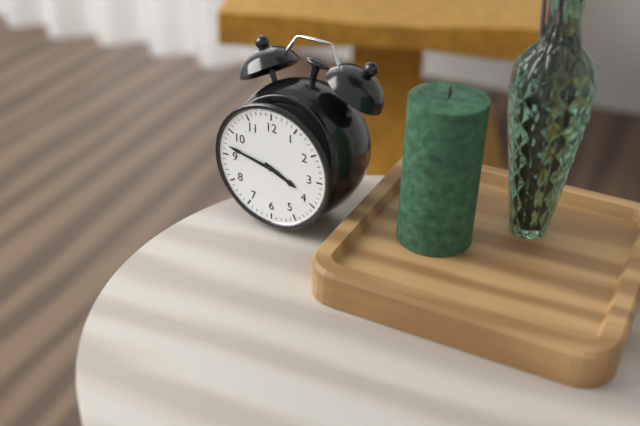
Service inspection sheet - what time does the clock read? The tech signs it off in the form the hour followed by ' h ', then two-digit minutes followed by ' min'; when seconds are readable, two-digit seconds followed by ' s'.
3 h 47 min
